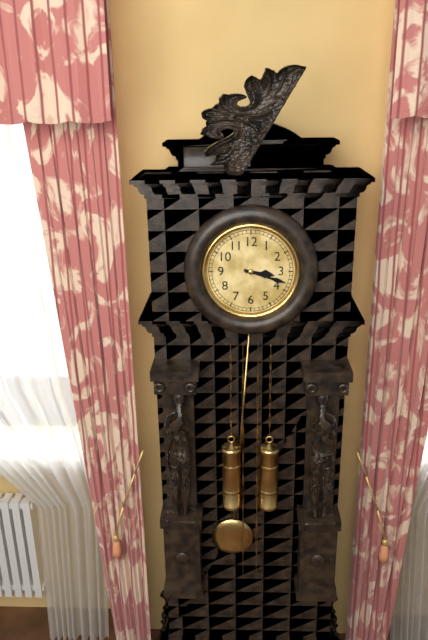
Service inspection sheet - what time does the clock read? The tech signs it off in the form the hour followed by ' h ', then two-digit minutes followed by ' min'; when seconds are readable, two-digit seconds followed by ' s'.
3 h 18 min
